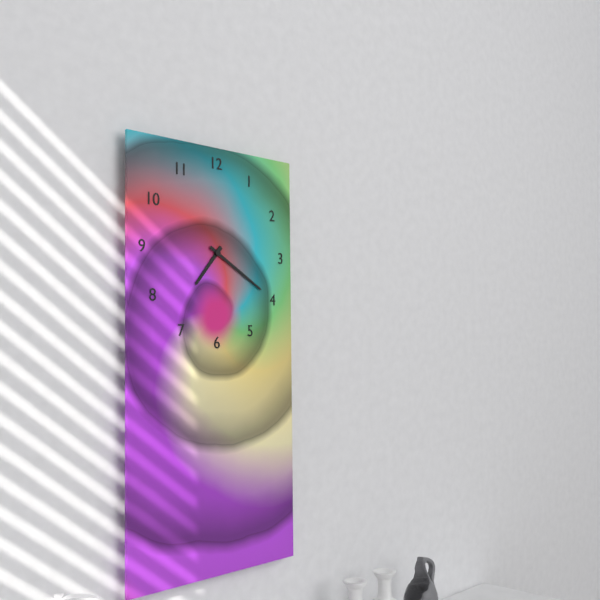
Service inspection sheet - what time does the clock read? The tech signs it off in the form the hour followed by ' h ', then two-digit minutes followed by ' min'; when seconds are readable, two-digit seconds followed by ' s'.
7 h 20 min
